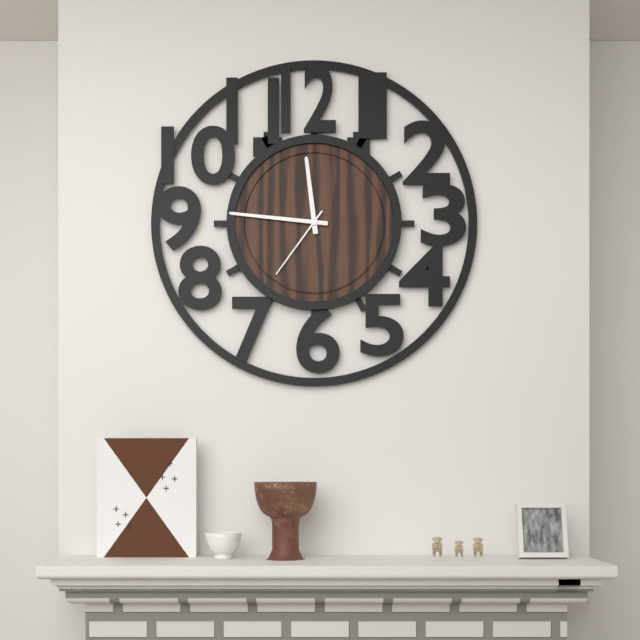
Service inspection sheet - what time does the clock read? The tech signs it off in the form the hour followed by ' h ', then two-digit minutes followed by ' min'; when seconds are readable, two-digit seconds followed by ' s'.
11 h 46 min 36 s
